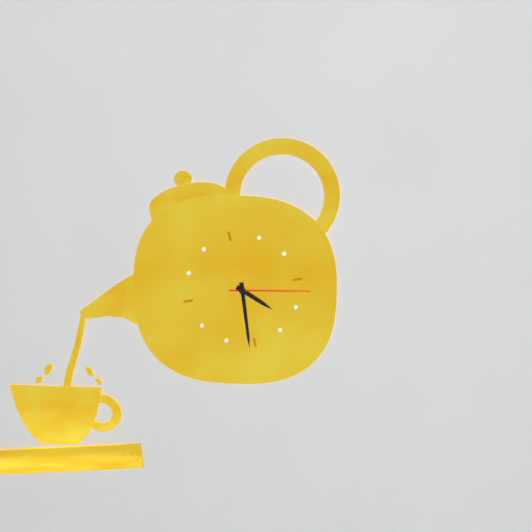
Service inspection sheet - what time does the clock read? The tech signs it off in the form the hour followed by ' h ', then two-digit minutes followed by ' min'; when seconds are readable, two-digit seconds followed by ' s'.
4 h 31 min 17 s
